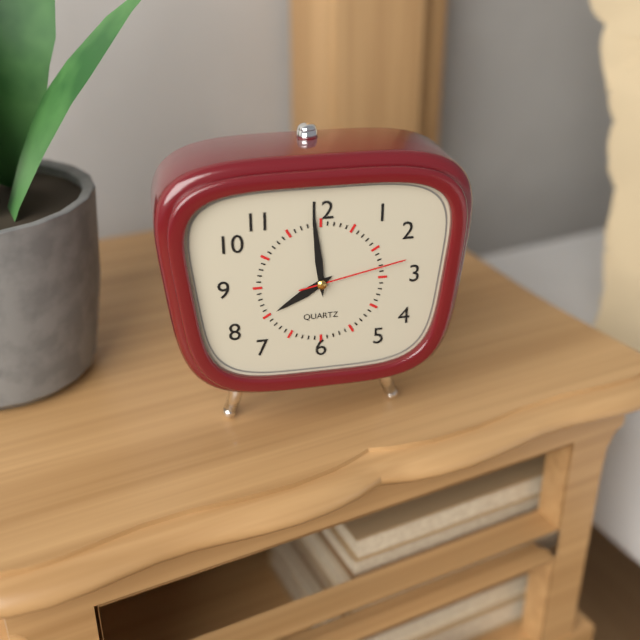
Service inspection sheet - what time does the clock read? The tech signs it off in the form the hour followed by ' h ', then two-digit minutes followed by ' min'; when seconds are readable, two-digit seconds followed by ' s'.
7 h 59 min 13 s
